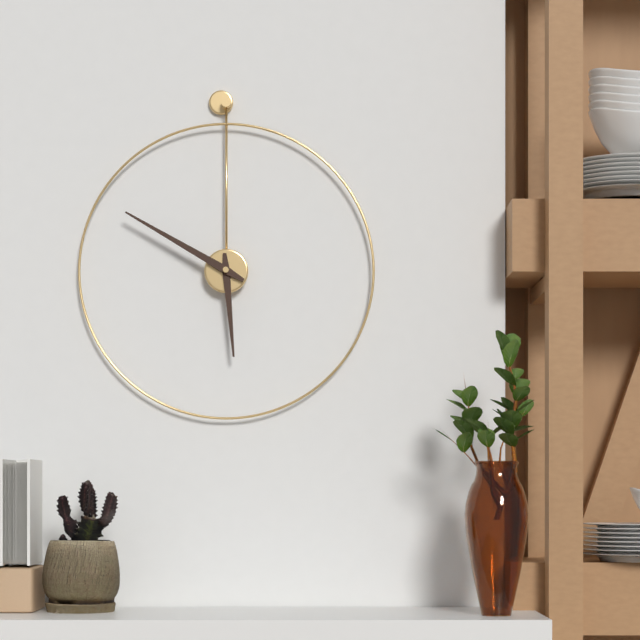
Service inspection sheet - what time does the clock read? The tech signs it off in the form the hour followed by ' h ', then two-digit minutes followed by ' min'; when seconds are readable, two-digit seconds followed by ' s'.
5 h 50 min
